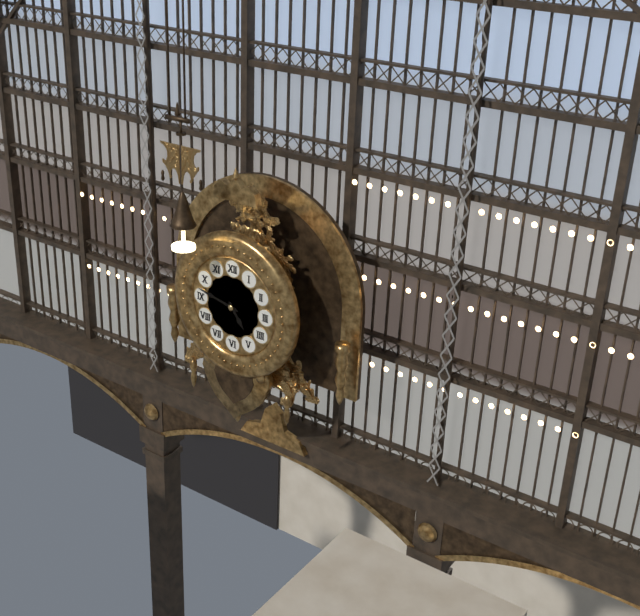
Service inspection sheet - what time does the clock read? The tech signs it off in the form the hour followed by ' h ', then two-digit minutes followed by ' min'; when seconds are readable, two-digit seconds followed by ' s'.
4 h 47 min
